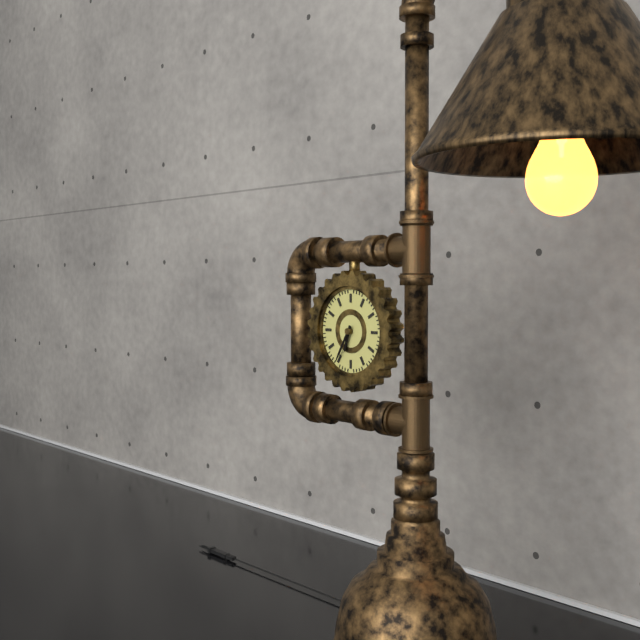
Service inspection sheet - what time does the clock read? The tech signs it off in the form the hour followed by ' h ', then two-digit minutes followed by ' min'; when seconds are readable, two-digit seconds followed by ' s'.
6 h 35 min
